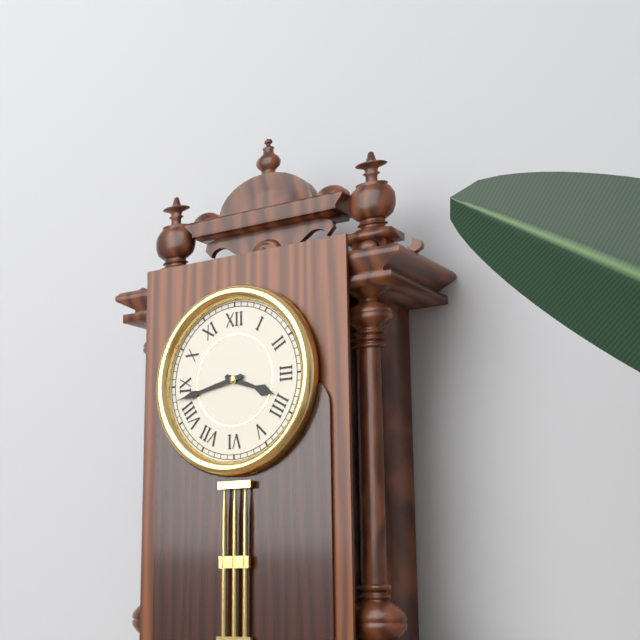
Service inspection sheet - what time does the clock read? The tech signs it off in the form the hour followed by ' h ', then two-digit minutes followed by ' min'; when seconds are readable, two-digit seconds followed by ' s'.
3 h 43 min
